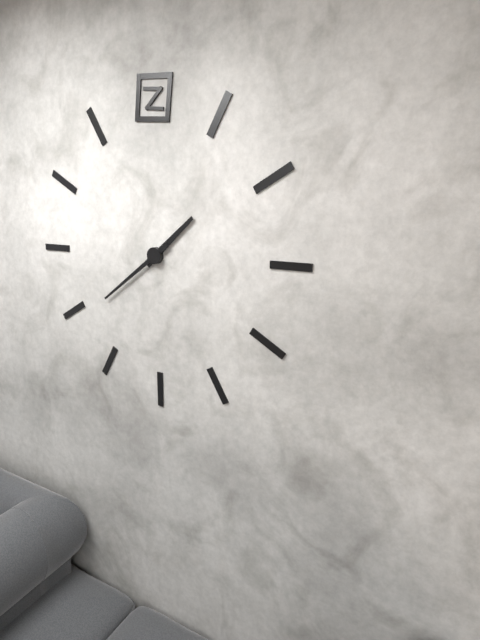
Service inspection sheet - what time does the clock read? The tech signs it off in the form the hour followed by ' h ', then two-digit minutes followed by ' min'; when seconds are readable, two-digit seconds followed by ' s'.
1 h 39 min
